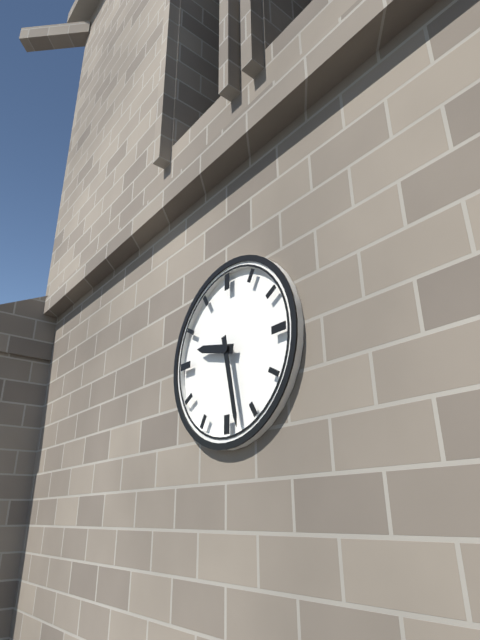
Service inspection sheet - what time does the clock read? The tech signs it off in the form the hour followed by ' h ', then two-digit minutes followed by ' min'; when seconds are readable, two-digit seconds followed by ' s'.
9 h 28 min
